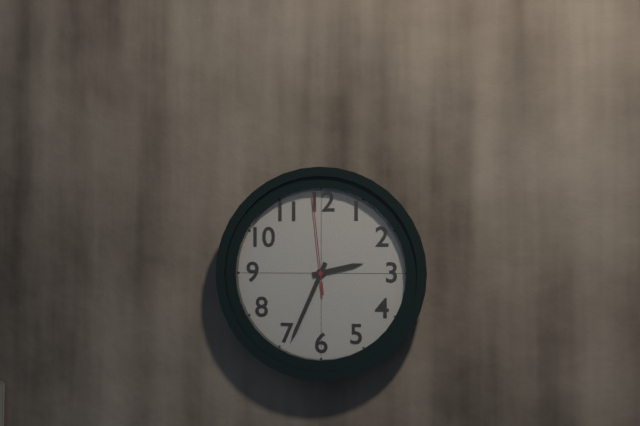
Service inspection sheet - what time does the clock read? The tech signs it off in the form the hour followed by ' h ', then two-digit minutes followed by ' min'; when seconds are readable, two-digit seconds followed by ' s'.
2 h 34 min 59 s
